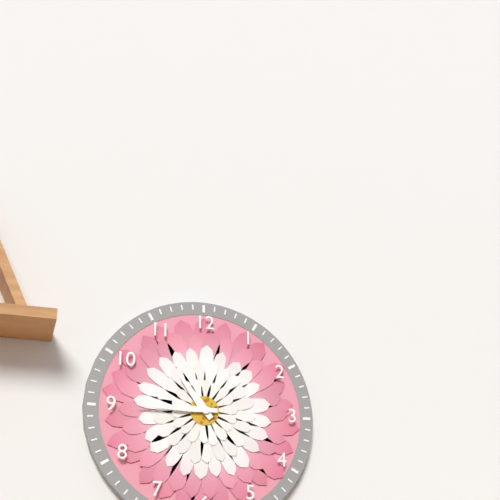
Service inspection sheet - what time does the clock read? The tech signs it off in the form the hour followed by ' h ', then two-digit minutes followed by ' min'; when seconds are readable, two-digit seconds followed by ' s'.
10 h 45 min
